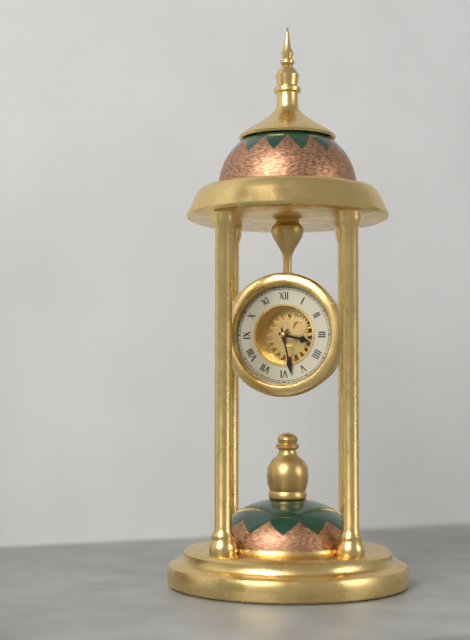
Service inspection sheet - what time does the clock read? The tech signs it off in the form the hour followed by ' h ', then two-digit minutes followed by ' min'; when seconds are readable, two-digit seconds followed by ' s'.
3 h 28 min
